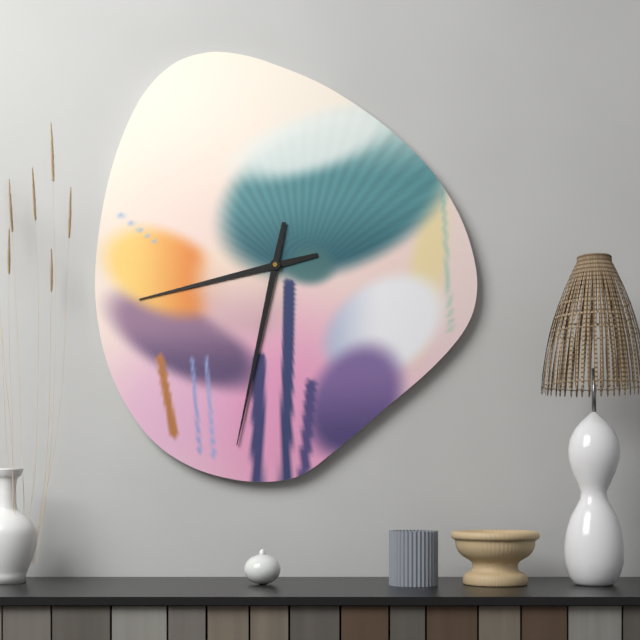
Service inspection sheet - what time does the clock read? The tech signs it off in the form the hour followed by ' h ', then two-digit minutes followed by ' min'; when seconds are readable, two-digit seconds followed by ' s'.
8 h 32 min
